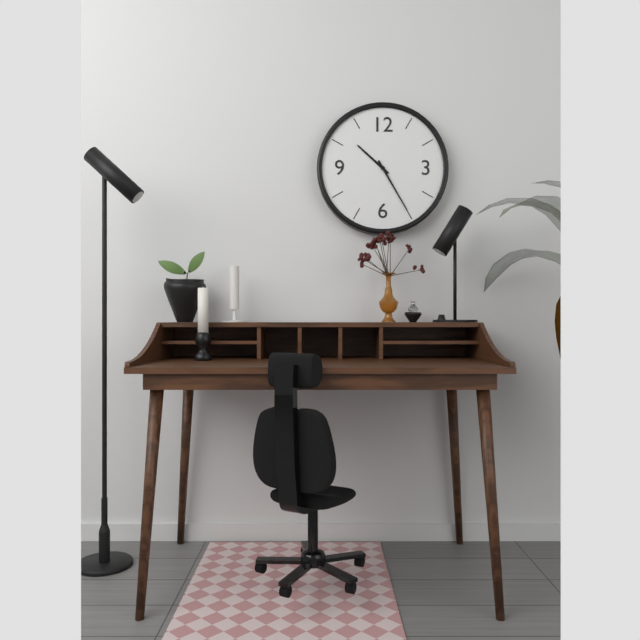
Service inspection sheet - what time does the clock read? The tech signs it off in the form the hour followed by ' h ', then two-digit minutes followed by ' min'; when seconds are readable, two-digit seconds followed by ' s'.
10 h 25 min
